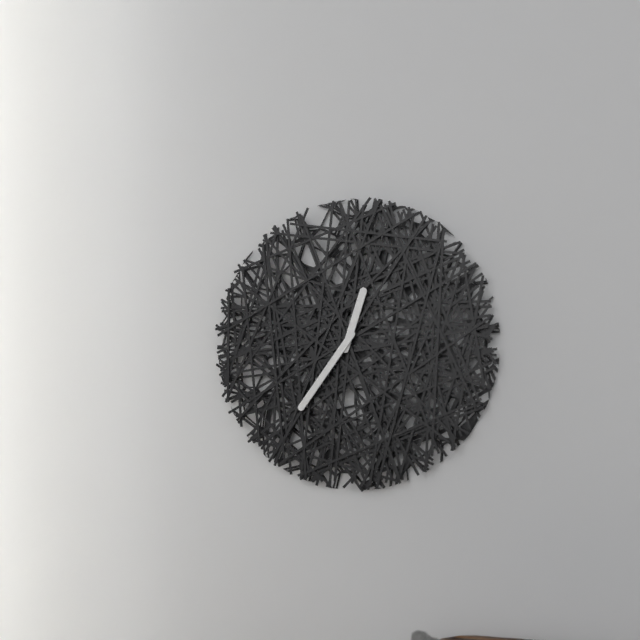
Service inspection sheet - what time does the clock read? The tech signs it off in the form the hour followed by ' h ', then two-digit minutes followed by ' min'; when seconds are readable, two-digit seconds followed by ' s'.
12 h 36 min
